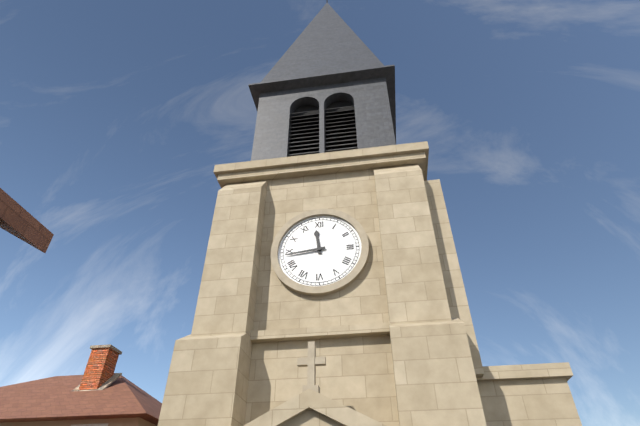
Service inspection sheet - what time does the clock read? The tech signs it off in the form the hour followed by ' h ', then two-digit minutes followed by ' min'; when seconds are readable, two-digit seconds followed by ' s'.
11 h 44 min
